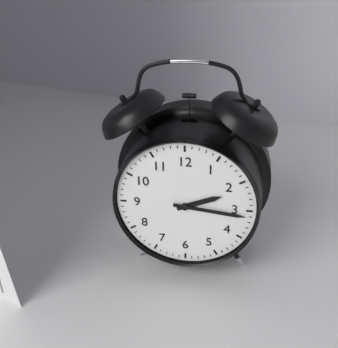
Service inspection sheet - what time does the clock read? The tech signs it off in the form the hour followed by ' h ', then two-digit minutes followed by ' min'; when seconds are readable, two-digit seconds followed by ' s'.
2 h 16 min
